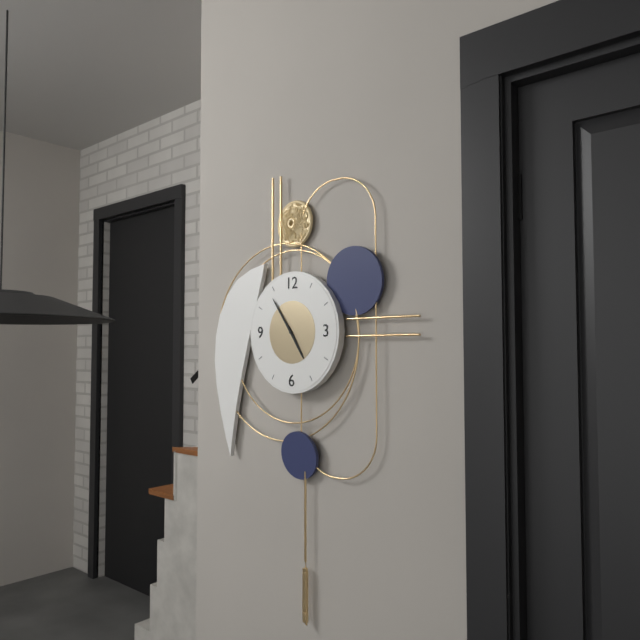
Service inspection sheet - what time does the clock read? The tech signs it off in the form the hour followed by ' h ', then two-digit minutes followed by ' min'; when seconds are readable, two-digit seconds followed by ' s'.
4 h 54 min
